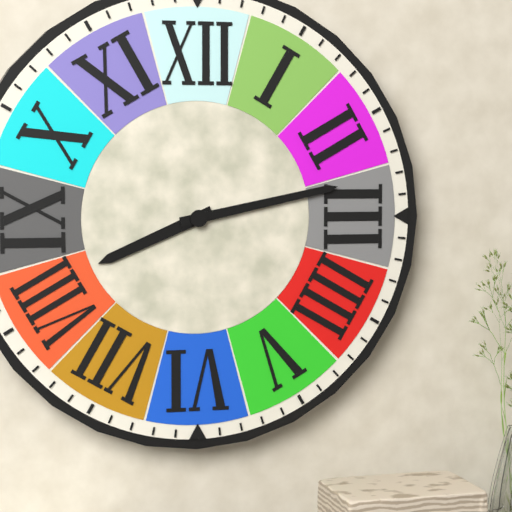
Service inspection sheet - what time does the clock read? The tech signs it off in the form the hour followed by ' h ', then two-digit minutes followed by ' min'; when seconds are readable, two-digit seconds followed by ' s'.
8 h 13 min
